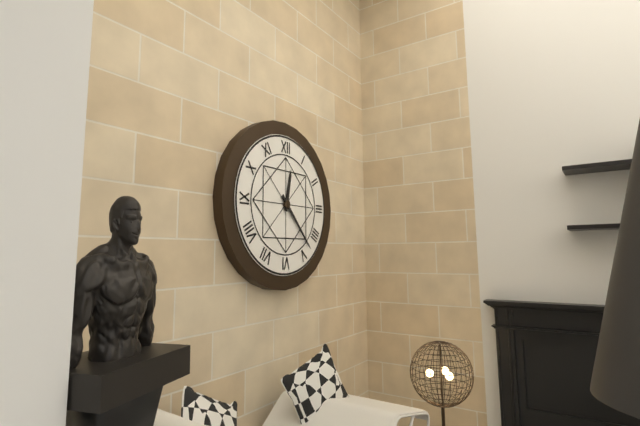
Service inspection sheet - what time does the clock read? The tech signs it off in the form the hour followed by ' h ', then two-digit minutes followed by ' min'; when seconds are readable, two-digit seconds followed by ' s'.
12 h 23 min
